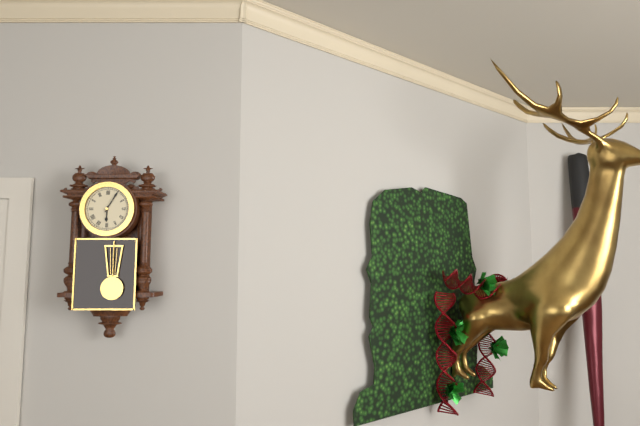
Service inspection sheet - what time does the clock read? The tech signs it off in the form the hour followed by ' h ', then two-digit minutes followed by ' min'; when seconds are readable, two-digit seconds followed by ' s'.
6 h 05 min
